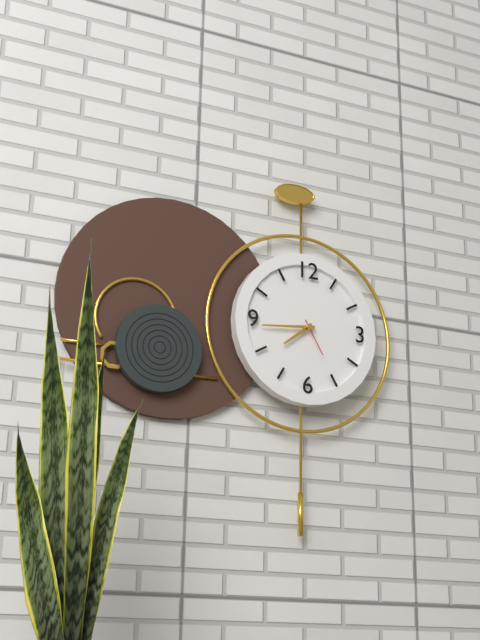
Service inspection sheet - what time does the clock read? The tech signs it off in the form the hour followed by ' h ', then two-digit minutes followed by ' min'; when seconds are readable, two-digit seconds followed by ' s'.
7 h 44 min
